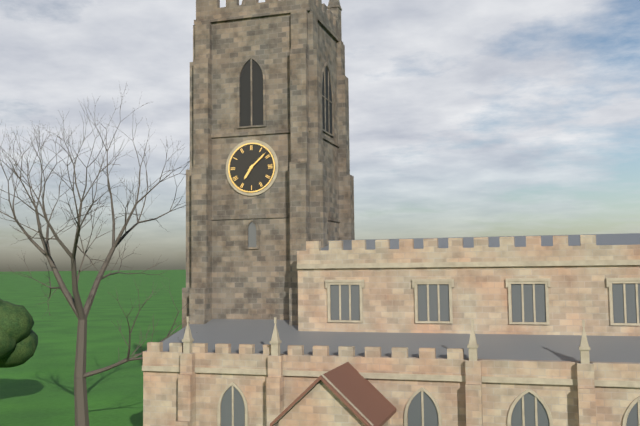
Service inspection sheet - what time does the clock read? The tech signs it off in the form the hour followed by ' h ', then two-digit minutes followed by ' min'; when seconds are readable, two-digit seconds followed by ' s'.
7 h 08 min
